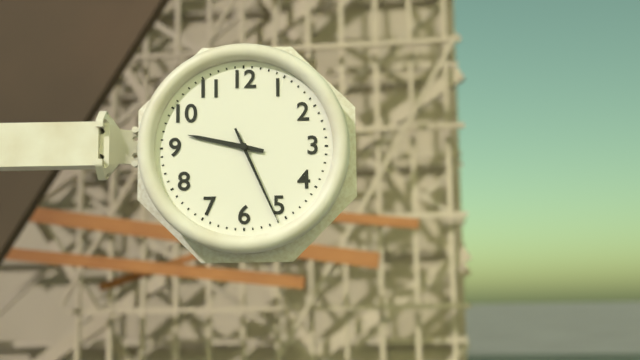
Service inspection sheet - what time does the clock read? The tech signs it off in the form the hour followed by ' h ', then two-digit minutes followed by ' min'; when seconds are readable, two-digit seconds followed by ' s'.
9 h 26 min
